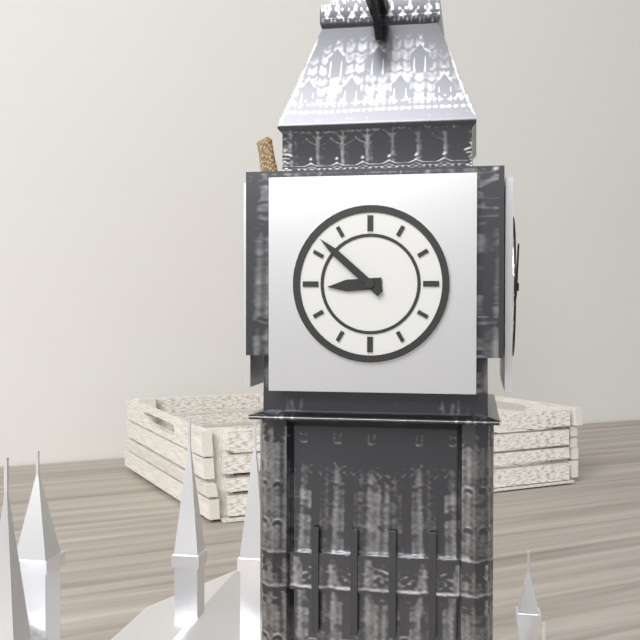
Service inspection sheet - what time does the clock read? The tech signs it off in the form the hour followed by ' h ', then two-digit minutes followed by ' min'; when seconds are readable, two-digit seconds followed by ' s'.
8 h 52 min
